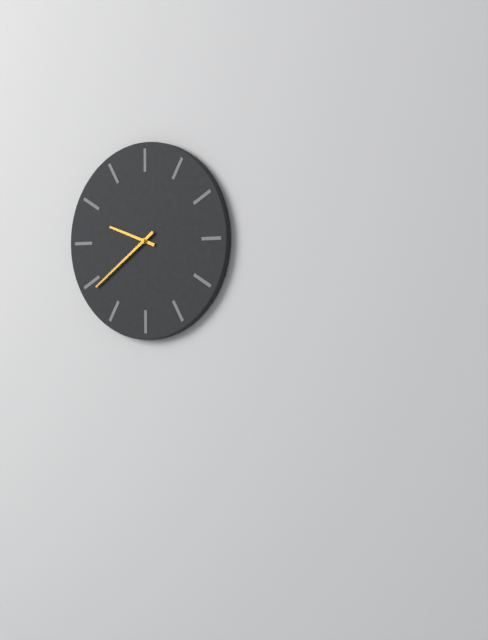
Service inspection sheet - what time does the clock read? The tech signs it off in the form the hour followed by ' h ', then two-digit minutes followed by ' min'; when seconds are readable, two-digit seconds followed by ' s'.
9 h 39 min
